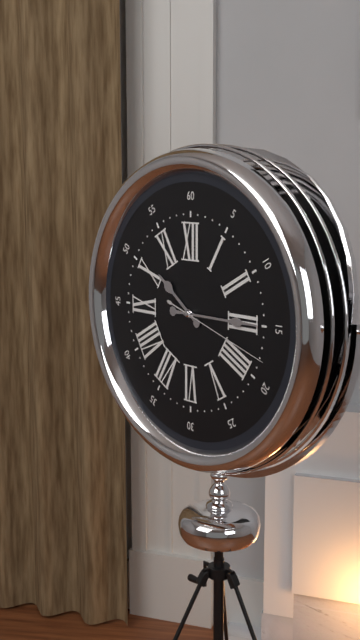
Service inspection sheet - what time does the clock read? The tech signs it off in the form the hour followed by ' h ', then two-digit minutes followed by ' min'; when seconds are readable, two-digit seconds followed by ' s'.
10 h 15 min 18 s
